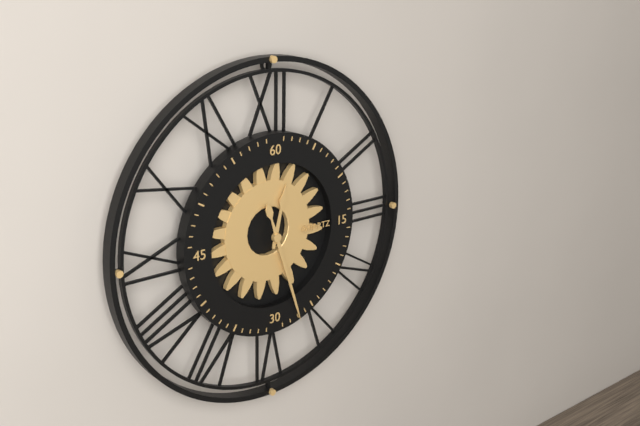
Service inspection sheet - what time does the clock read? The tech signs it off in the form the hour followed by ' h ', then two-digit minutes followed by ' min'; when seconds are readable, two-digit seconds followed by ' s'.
12 h 27 min
